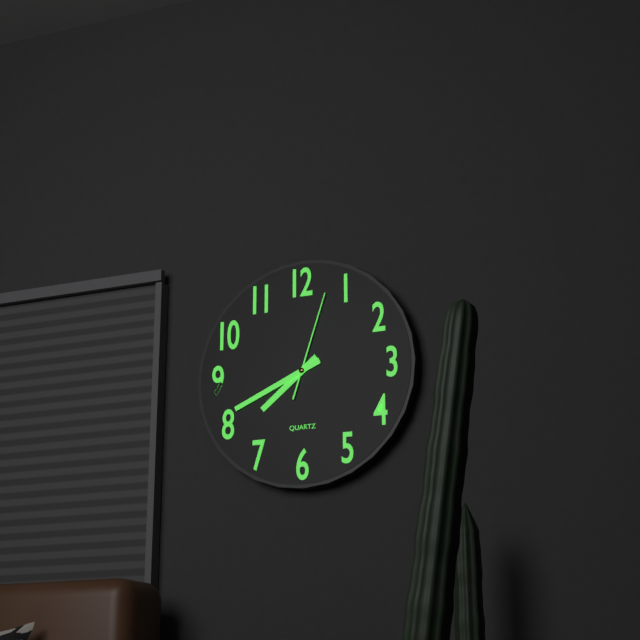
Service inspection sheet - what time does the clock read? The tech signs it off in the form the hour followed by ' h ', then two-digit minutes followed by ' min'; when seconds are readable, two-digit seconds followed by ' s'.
7 h 41 min 03 s
